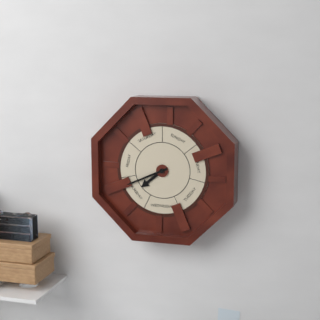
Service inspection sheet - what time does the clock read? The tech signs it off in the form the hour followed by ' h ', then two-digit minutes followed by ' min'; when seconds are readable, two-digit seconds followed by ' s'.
7 h 41 min
